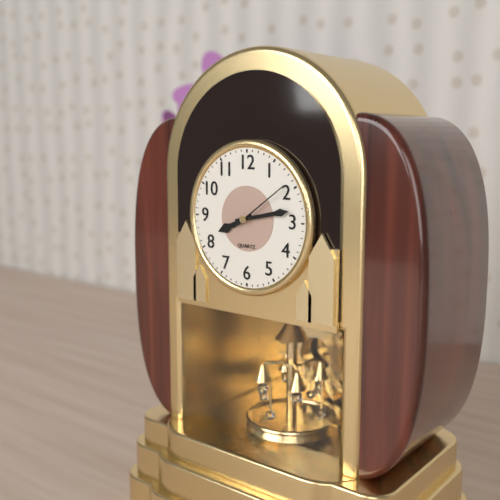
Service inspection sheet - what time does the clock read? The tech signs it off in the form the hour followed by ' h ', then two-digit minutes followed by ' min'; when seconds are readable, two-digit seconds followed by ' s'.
8 h 13 min 09 s
